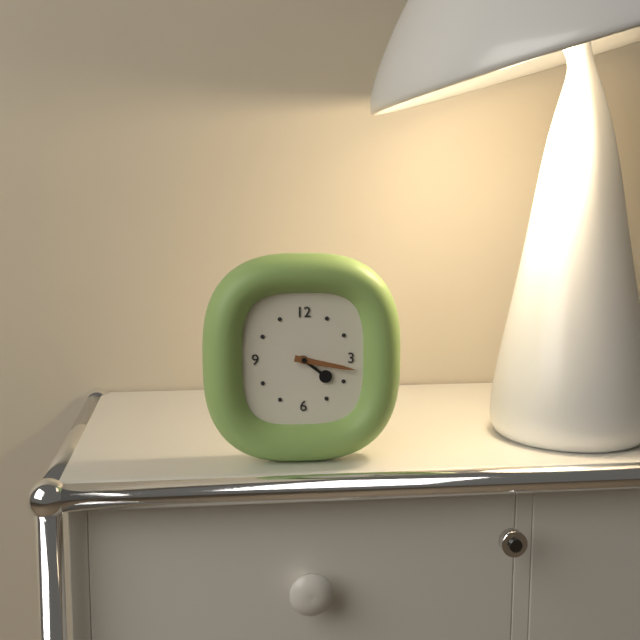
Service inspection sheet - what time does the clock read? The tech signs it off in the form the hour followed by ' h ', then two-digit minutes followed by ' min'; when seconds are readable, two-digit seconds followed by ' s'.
4 h 17 min
